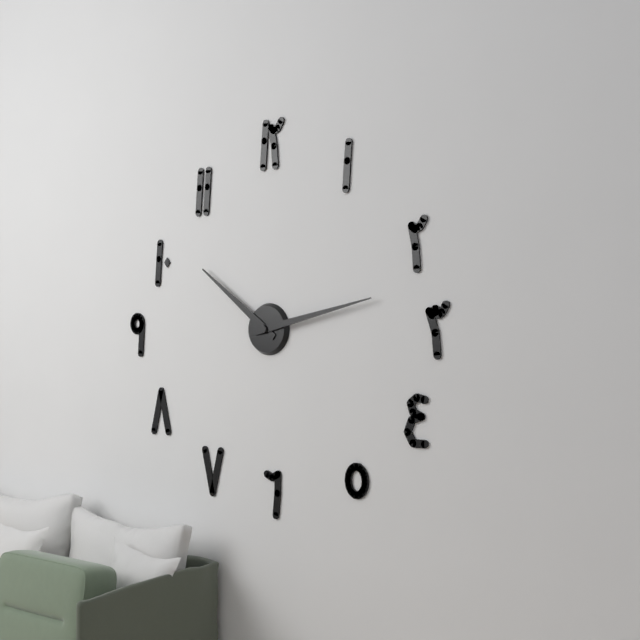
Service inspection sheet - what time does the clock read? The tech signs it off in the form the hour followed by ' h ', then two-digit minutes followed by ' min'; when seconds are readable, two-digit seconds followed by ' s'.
10 h 13 min
